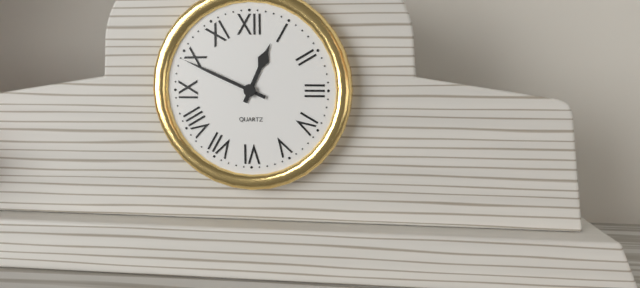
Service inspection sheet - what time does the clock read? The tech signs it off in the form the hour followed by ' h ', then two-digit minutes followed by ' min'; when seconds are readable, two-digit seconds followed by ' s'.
12 h 49 min
